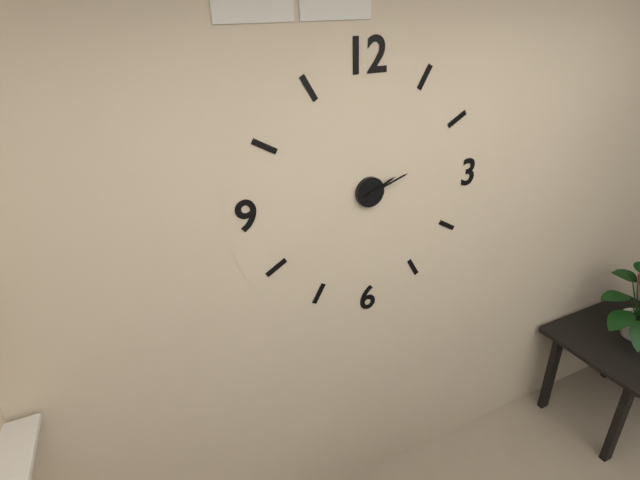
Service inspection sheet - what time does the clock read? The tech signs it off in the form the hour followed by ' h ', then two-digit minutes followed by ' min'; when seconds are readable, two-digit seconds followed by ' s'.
2 h 12 min
